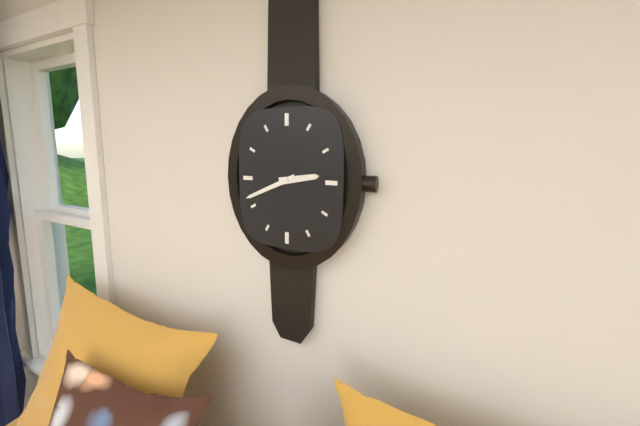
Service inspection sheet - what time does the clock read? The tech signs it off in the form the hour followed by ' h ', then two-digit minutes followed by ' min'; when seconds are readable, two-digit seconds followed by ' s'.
2 h 41 min
